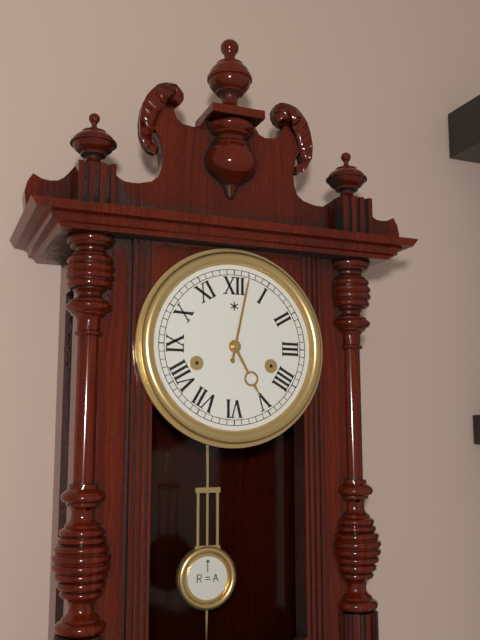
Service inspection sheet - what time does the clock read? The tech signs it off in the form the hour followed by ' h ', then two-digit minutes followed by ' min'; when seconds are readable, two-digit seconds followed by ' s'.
5 h 02 min
